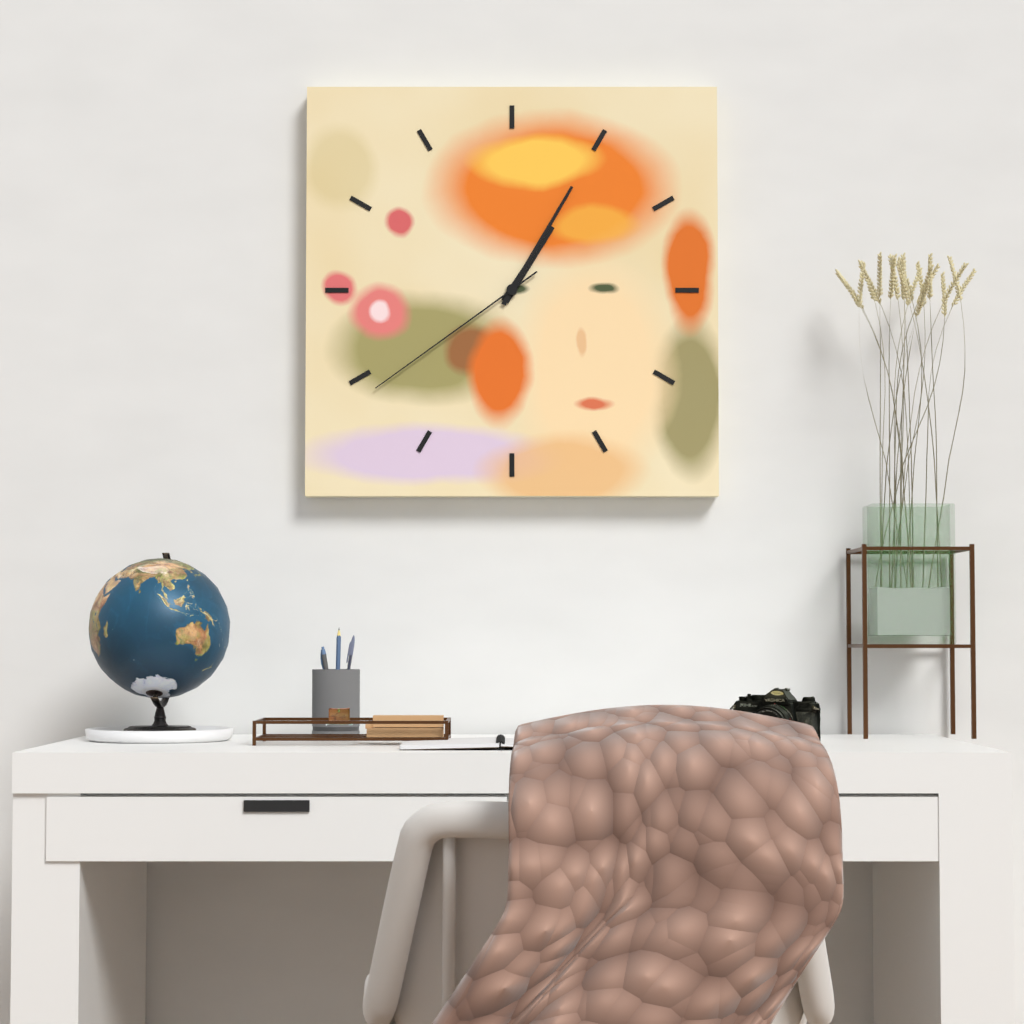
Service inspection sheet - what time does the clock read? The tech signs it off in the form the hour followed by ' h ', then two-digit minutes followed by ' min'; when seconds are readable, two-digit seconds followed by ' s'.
1 h 05 min 39 s
